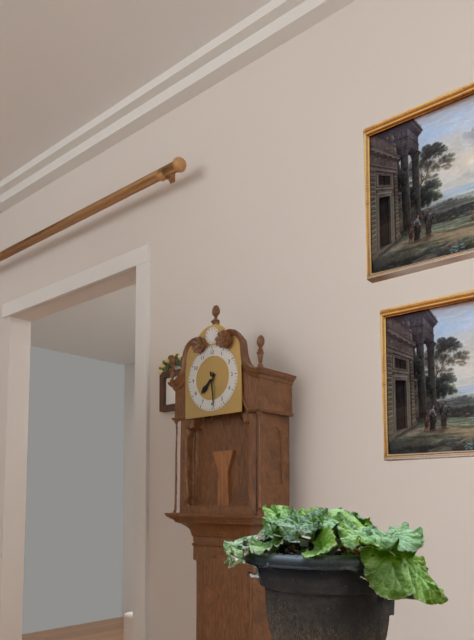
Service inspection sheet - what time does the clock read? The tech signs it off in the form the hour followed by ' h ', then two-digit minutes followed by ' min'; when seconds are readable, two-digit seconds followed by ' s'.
7 h 29 min
